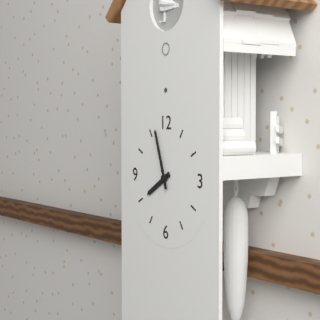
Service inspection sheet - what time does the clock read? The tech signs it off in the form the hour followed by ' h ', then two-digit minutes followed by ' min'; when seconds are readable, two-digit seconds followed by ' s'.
7 h 57 min
